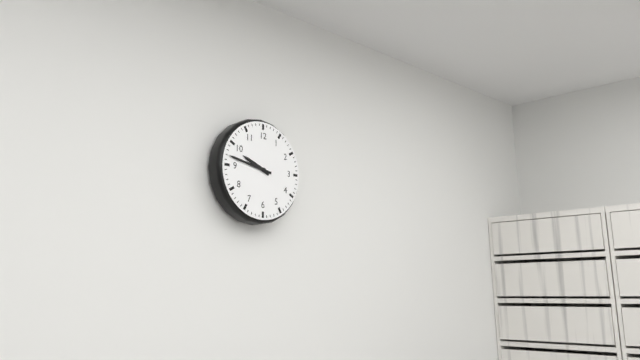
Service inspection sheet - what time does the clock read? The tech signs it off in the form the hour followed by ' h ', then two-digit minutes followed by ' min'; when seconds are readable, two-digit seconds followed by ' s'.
9 h 47 min
